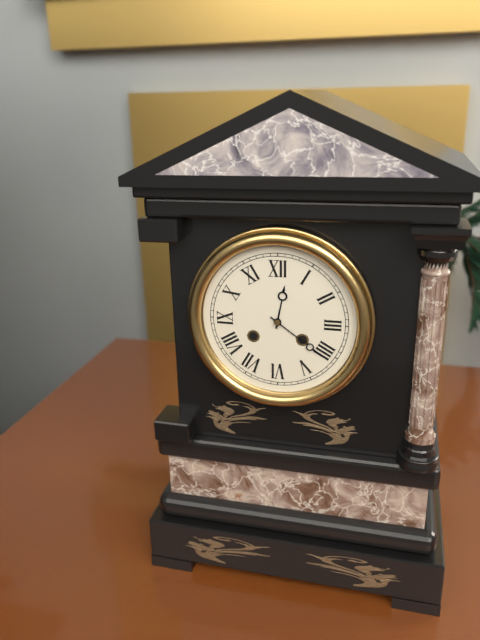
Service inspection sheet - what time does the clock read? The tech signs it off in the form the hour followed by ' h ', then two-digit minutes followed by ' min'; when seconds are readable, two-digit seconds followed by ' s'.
12 h 21 min
